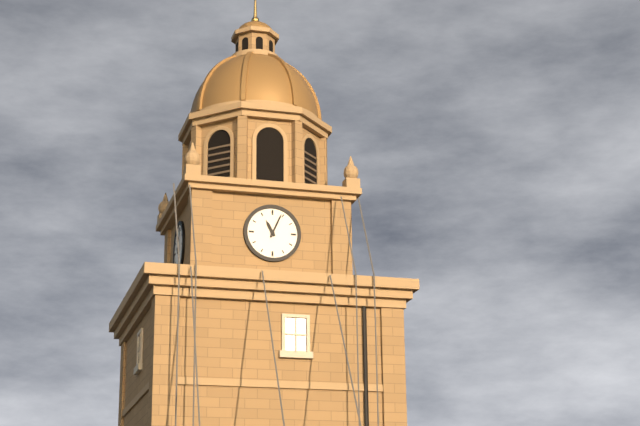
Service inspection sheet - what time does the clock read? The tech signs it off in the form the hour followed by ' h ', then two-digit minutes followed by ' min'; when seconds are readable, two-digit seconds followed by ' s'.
11 h 04 min
